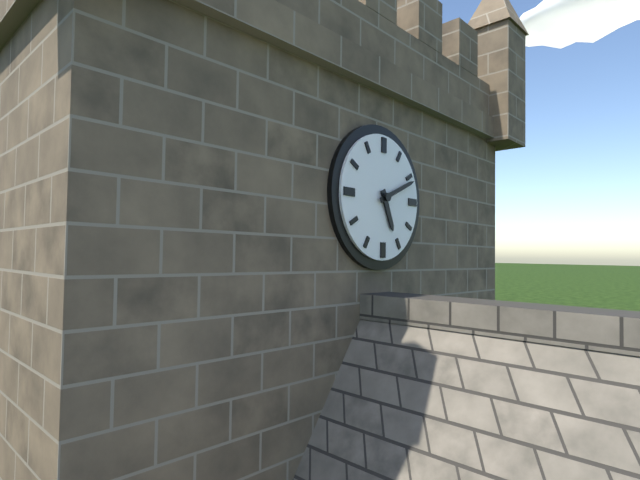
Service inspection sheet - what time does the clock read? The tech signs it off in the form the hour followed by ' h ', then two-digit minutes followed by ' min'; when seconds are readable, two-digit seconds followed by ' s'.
5 h 11 min
